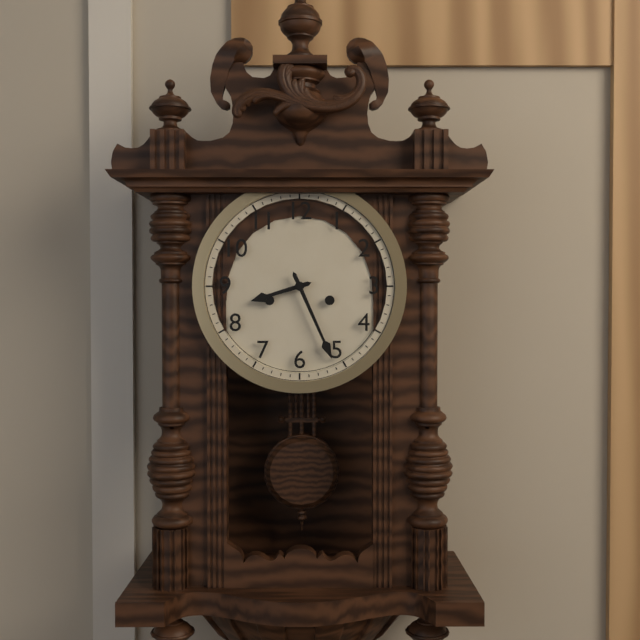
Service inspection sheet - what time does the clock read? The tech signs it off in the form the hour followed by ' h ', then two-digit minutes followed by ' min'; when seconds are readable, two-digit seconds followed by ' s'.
8 h 26 min
